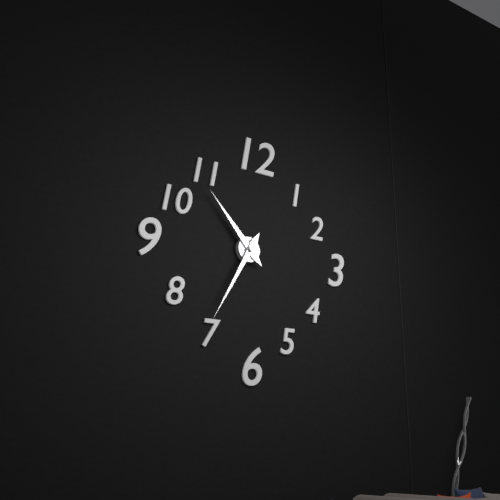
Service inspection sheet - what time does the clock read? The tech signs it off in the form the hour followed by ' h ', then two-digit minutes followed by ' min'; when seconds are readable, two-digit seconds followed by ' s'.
10 h 35 min
